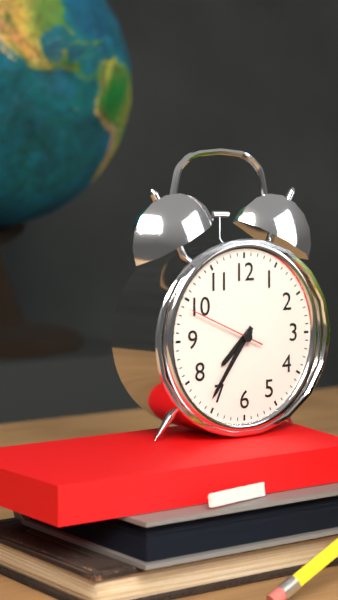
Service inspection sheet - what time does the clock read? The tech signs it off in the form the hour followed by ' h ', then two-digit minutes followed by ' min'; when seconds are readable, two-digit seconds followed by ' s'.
7 h 36 min 49 s
